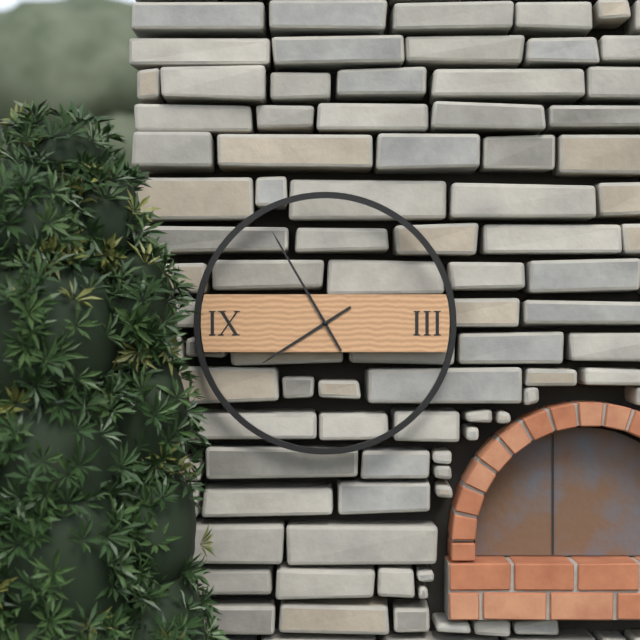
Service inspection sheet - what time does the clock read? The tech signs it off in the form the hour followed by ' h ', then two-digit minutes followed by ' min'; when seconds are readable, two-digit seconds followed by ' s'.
7 h 55 min
